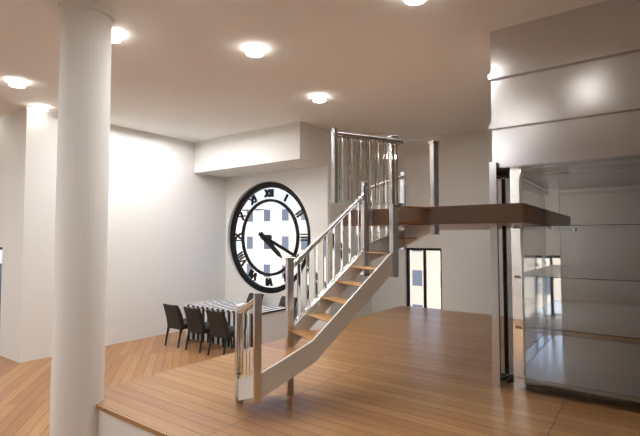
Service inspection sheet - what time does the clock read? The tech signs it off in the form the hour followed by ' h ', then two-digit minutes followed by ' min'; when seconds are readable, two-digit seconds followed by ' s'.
4 h 19 min
